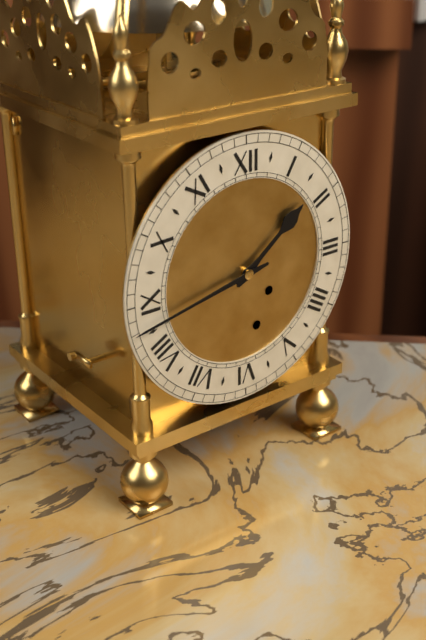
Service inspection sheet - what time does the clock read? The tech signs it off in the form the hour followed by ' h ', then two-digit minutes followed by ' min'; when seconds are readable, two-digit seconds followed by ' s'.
1 h 43 min
